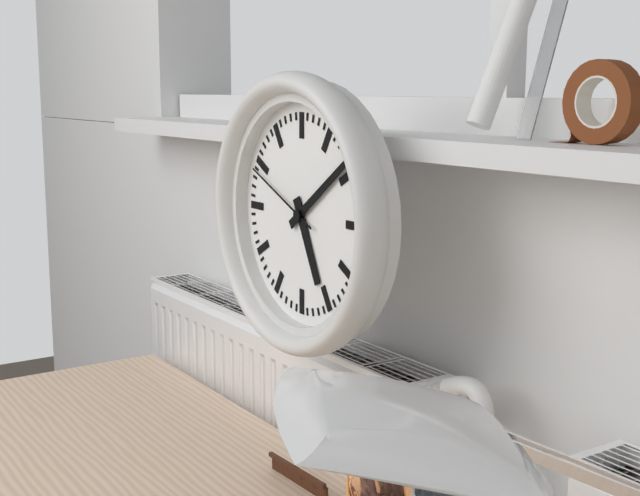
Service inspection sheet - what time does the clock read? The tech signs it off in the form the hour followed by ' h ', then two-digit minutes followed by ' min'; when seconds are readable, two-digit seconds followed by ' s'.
5 h 09 min 49 s
